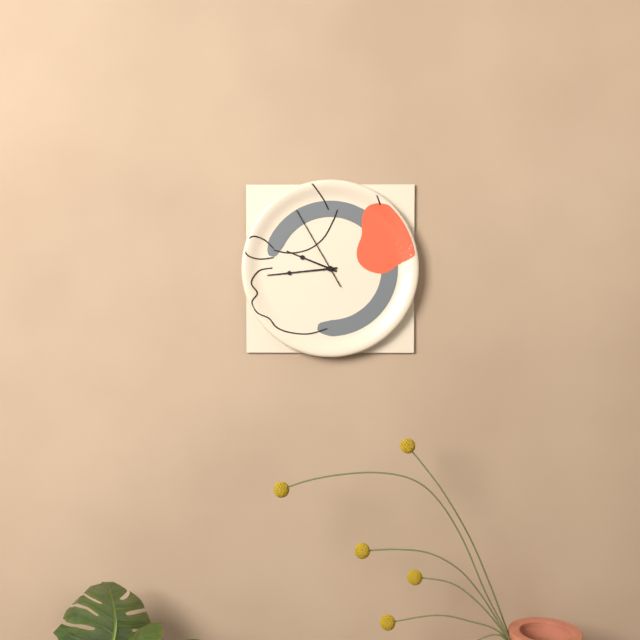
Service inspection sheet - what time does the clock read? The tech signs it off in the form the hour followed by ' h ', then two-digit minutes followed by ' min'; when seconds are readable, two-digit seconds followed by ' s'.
9 h 44 min 55 s
